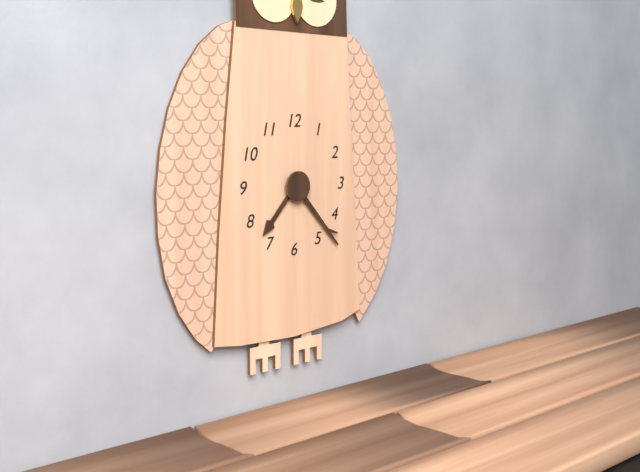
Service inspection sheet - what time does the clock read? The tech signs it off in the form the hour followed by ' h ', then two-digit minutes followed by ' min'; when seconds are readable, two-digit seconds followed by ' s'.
7 h 23 min
